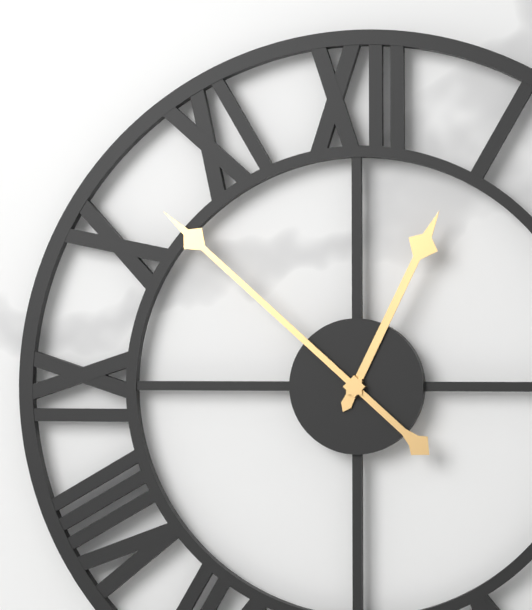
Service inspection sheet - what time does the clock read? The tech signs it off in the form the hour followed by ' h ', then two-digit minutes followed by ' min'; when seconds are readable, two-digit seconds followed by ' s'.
12 h 52 min
